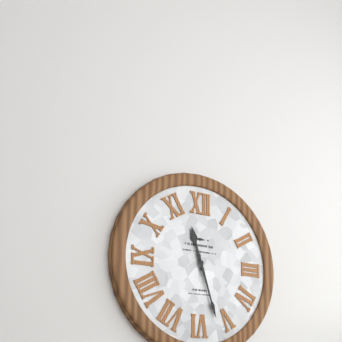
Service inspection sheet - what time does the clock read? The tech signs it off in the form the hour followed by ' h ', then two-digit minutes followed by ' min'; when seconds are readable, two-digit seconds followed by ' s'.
11 h 27 min
